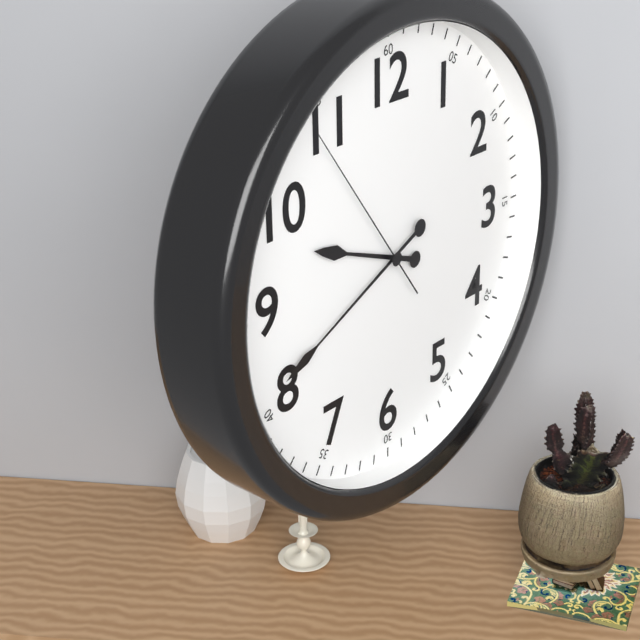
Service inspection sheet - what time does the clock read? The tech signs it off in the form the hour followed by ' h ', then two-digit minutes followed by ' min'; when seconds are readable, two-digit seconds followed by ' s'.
9 h 41 min 54 s
